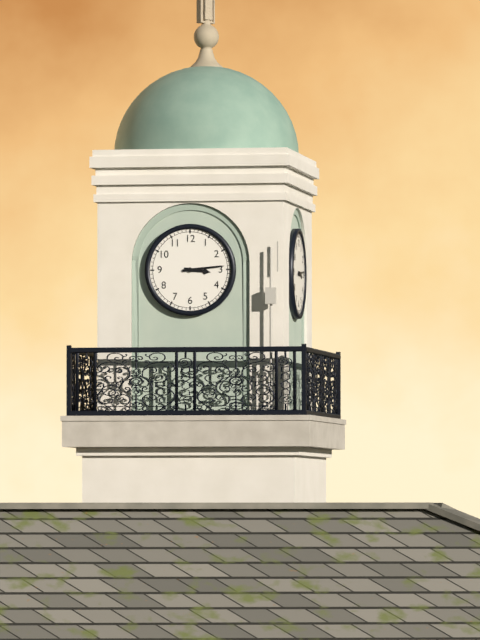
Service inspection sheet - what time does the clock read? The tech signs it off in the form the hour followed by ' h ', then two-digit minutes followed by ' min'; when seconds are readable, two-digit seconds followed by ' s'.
3 h 14 min
